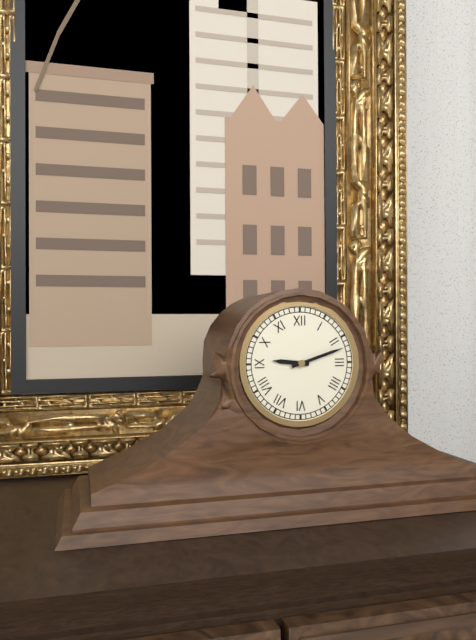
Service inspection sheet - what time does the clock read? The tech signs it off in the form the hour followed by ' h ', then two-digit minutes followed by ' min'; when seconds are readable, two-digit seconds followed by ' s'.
9 h 12 min
